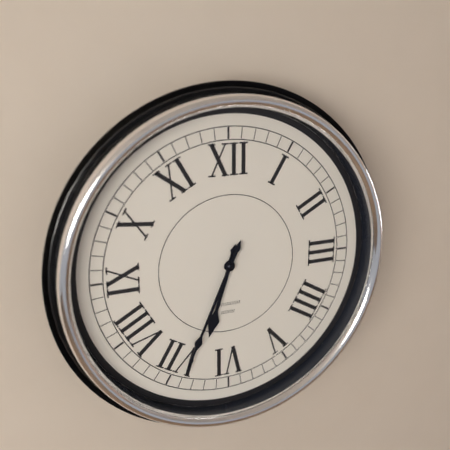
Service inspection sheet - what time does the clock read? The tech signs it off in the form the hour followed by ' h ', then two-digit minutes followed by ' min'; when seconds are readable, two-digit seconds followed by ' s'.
6 h 34 min
